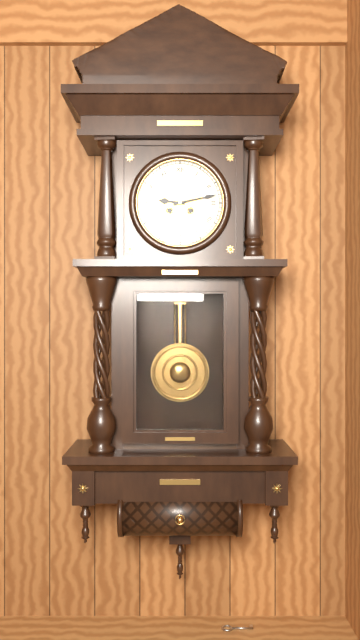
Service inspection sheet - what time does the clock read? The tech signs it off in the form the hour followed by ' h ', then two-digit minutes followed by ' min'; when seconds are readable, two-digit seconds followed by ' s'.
9 h 13 min
